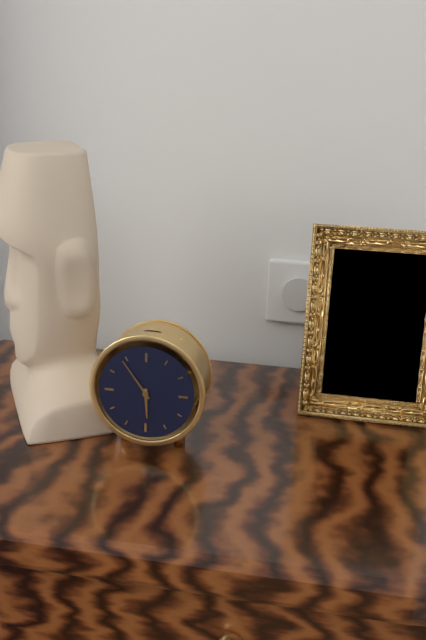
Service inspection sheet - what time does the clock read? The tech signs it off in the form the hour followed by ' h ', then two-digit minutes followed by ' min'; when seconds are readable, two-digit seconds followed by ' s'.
5 h 54 min
